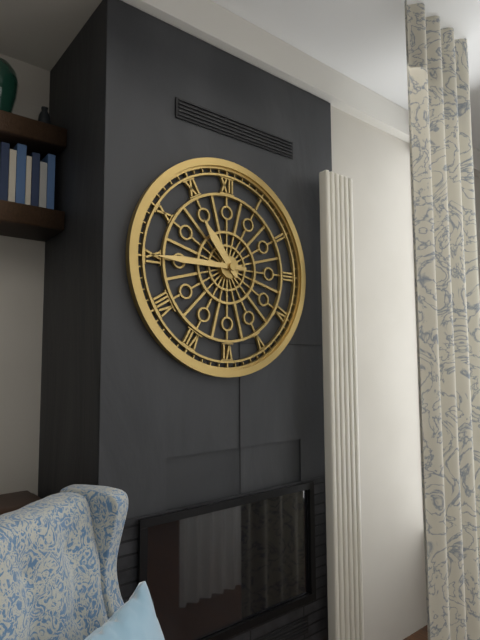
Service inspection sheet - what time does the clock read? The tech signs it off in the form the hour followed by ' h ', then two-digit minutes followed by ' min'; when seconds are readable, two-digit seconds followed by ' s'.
10 h 45 min
